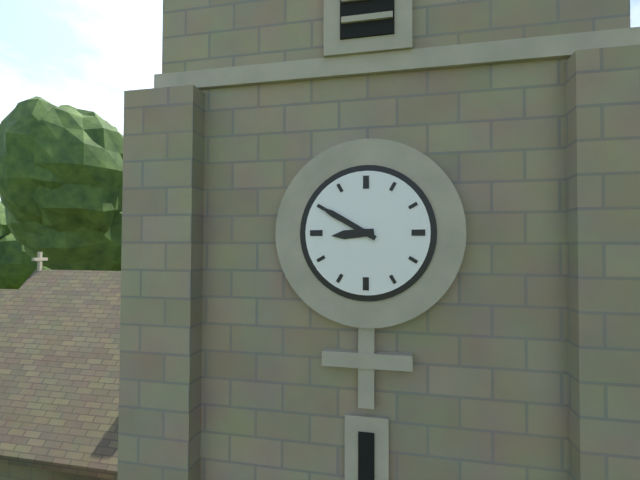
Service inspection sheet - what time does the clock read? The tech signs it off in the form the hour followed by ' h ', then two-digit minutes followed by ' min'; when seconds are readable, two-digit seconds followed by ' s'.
8 h 50 min
